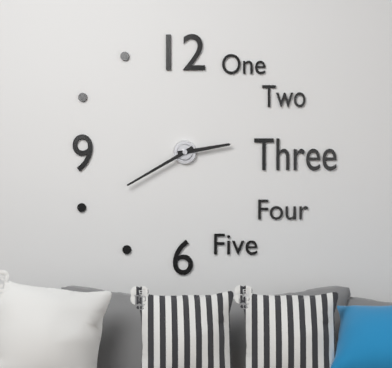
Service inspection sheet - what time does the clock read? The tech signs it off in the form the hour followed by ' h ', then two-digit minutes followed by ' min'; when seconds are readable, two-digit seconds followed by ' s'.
2 h 40 min
